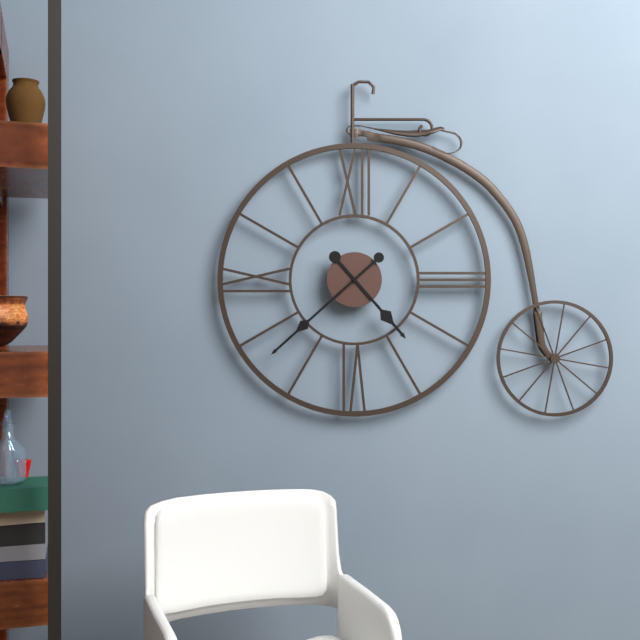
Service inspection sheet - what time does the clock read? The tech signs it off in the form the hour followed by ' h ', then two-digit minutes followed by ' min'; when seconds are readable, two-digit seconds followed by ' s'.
4 h 38 min
